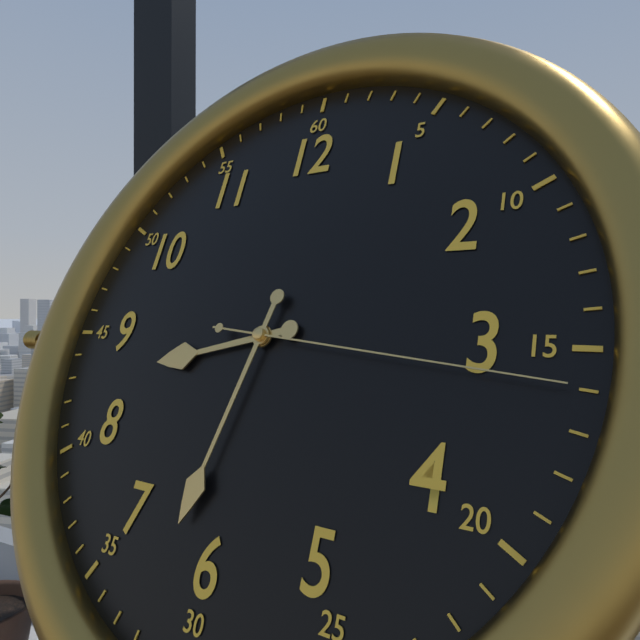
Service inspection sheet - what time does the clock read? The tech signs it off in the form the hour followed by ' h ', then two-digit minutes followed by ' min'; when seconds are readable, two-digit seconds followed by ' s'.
8 h 32 min 16 s
